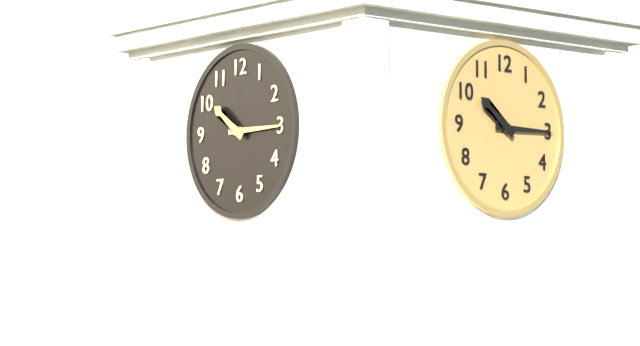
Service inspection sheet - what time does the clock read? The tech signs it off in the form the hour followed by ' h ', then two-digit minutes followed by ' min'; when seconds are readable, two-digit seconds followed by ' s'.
10 h 15 min
